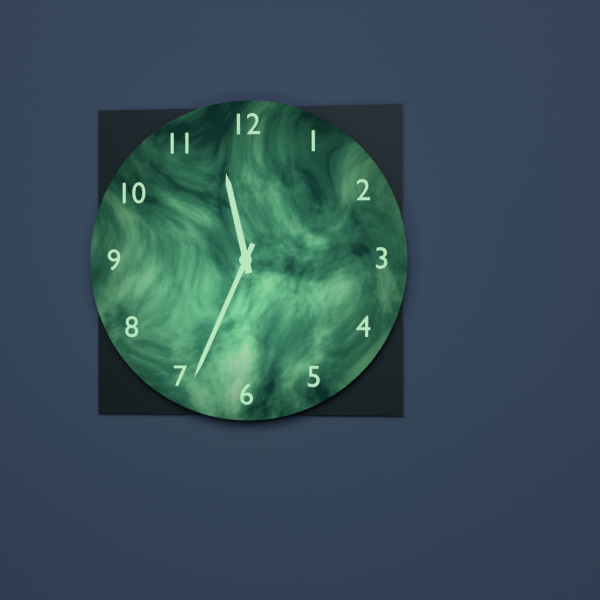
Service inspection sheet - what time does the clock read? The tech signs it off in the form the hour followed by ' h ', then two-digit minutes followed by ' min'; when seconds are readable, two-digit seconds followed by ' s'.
11 h 34 min
